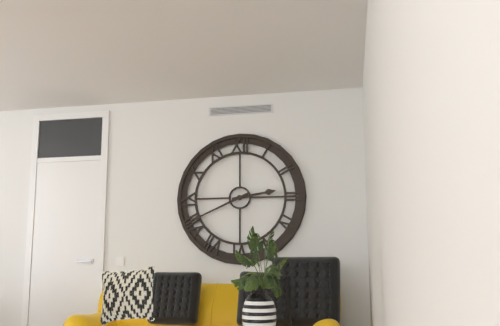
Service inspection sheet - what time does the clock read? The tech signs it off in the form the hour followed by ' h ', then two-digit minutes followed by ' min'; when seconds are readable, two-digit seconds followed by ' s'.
2 h 41 min
